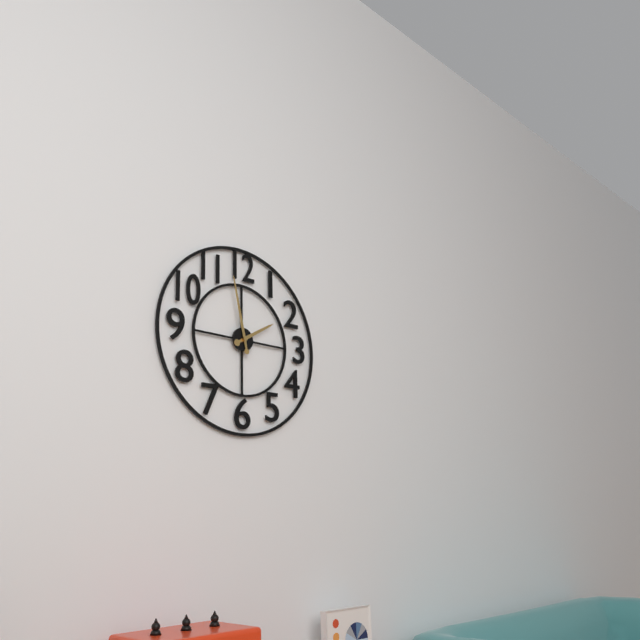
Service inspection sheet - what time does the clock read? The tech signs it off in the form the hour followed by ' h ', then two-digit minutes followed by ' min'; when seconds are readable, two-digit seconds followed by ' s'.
1 h 58 min
